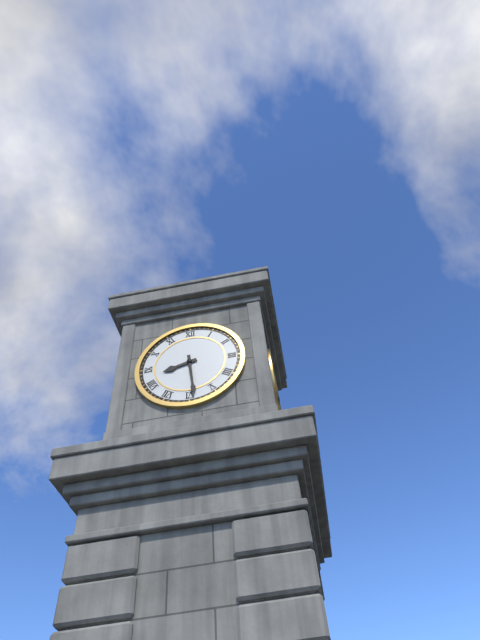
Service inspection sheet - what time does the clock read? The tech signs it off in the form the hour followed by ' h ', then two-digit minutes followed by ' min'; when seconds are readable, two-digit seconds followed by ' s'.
8 h 29 min
